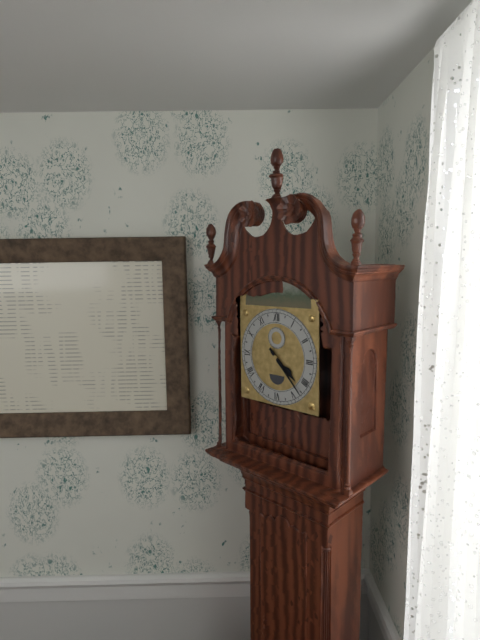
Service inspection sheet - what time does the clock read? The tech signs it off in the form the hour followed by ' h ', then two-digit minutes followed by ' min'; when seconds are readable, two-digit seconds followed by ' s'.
4 h 23 min
